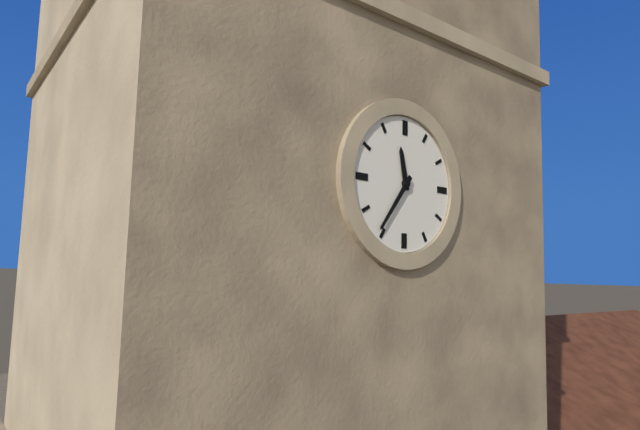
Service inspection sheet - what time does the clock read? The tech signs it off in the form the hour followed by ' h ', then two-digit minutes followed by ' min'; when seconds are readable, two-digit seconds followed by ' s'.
11 h 36 min
